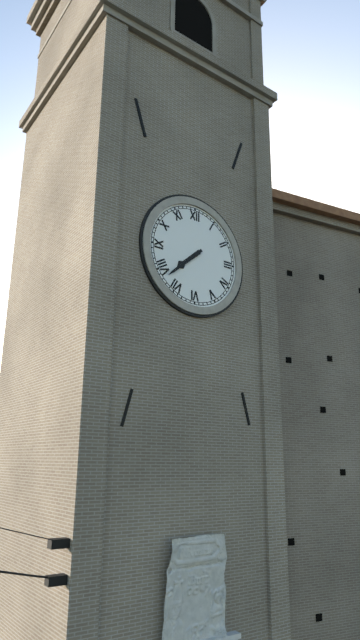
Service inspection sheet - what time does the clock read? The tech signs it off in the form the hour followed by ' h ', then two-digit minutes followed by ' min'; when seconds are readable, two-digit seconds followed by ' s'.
7 h 38 min
